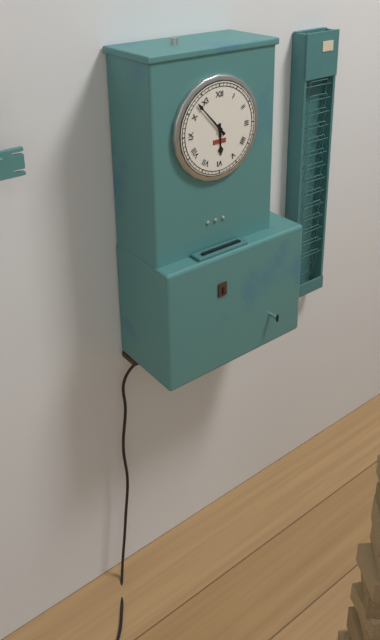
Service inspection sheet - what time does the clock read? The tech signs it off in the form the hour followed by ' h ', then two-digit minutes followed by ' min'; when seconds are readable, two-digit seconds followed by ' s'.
5 h 53 min
